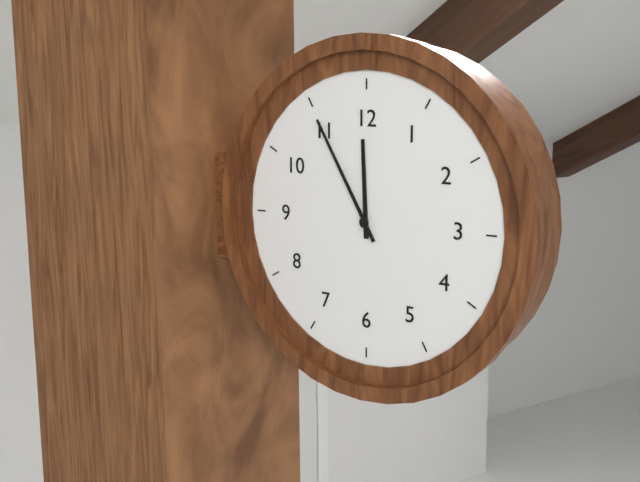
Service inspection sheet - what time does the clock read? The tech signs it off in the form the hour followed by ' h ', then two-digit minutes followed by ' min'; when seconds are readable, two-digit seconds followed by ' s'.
11 h 55 min
